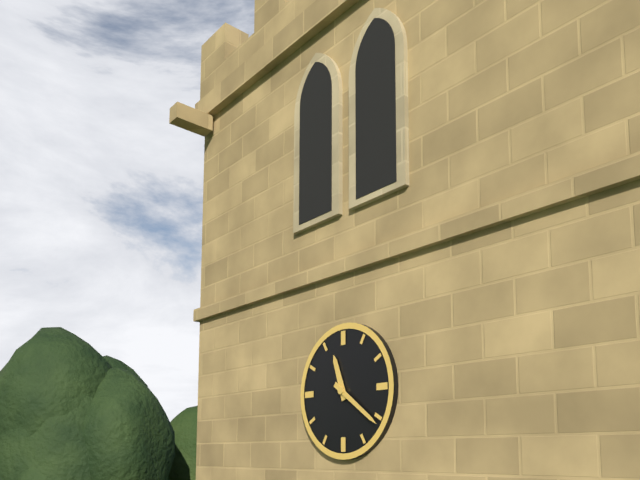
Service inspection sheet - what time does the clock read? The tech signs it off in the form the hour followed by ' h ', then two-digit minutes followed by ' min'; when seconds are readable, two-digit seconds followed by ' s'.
11 h 21 min
